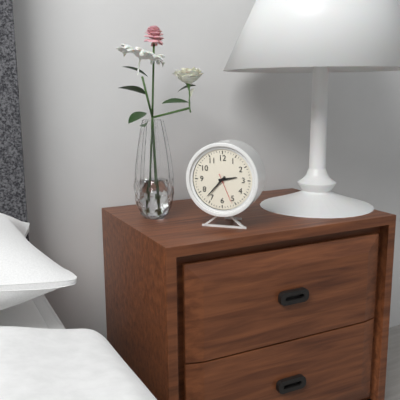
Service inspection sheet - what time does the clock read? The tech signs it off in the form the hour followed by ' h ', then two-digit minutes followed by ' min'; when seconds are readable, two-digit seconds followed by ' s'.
2 h 37 min
